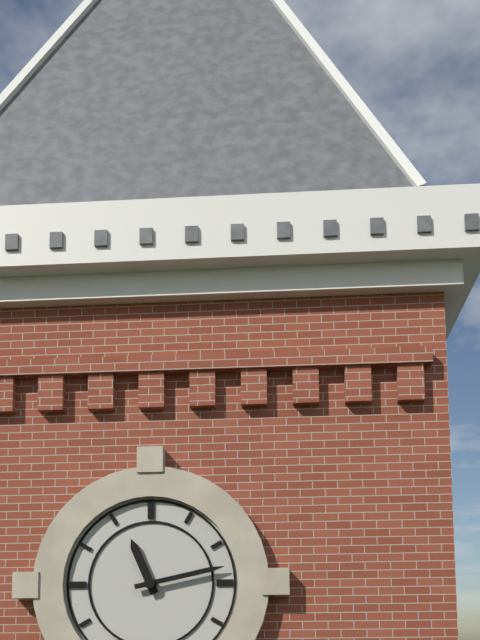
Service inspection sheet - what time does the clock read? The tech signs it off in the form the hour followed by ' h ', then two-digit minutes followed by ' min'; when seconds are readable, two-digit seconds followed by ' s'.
11 h 13 min
